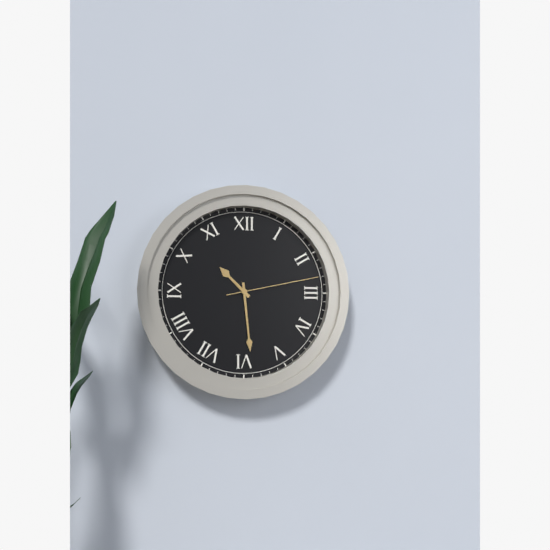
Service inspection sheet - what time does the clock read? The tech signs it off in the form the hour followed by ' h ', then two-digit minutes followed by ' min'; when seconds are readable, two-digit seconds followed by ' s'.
10 h 29 min 13 s
